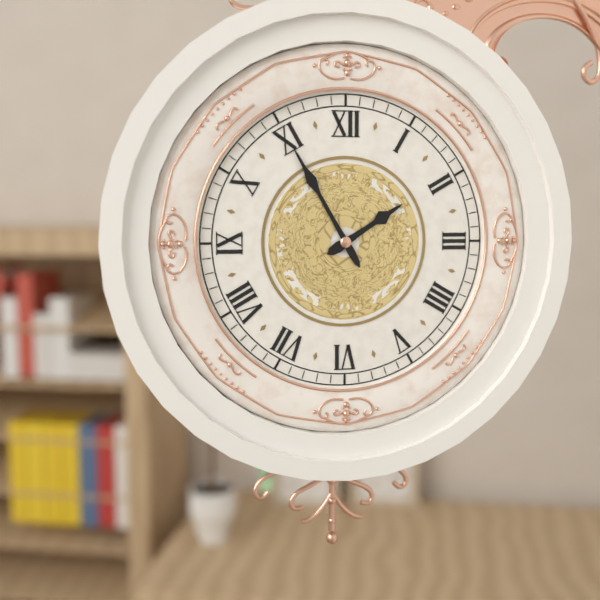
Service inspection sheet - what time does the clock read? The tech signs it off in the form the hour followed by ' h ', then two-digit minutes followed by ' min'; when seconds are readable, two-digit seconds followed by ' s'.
1 h 55 min
